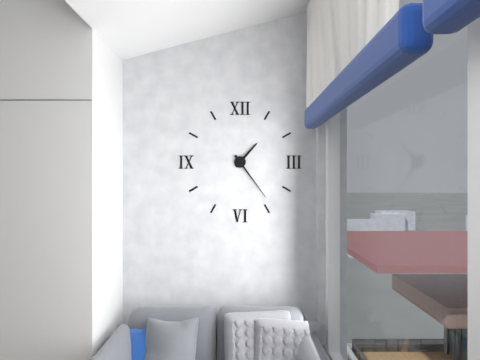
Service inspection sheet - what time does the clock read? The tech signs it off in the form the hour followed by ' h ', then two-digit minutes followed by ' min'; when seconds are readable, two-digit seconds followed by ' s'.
1 h 24 min
